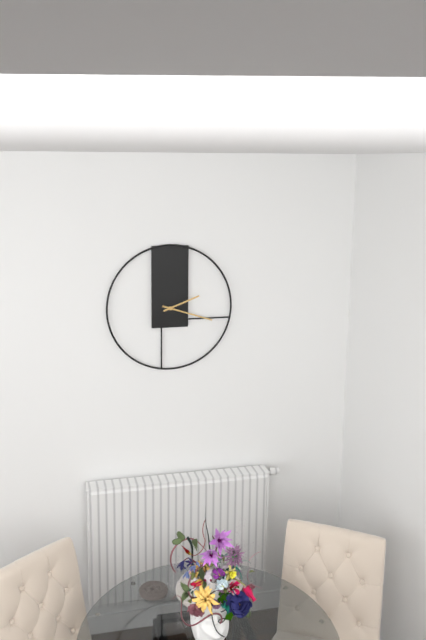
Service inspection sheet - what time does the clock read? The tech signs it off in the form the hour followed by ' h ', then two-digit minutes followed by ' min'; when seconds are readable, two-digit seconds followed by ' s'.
2 h 18 min
